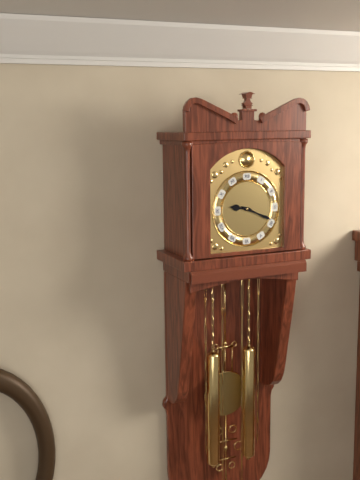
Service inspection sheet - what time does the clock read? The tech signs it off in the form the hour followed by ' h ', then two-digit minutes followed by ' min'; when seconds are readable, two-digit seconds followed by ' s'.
9 h 19 min
